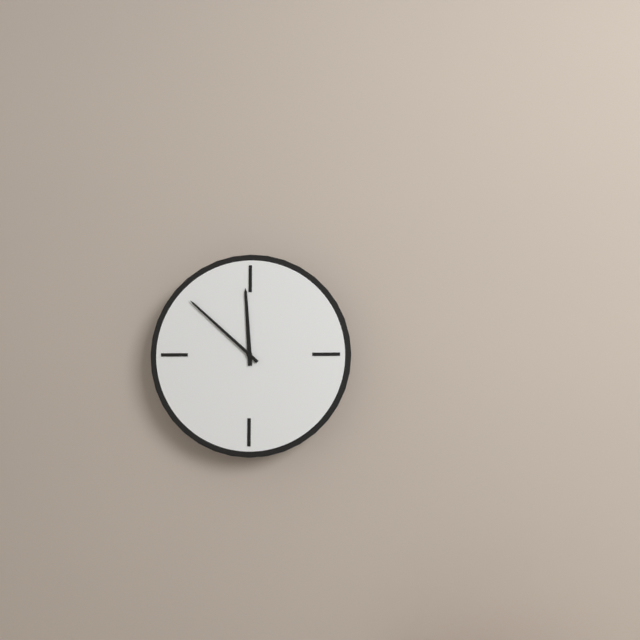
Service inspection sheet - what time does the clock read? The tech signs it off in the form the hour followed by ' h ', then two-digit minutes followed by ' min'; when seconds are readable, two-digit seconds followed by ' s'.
11 h 52 min
